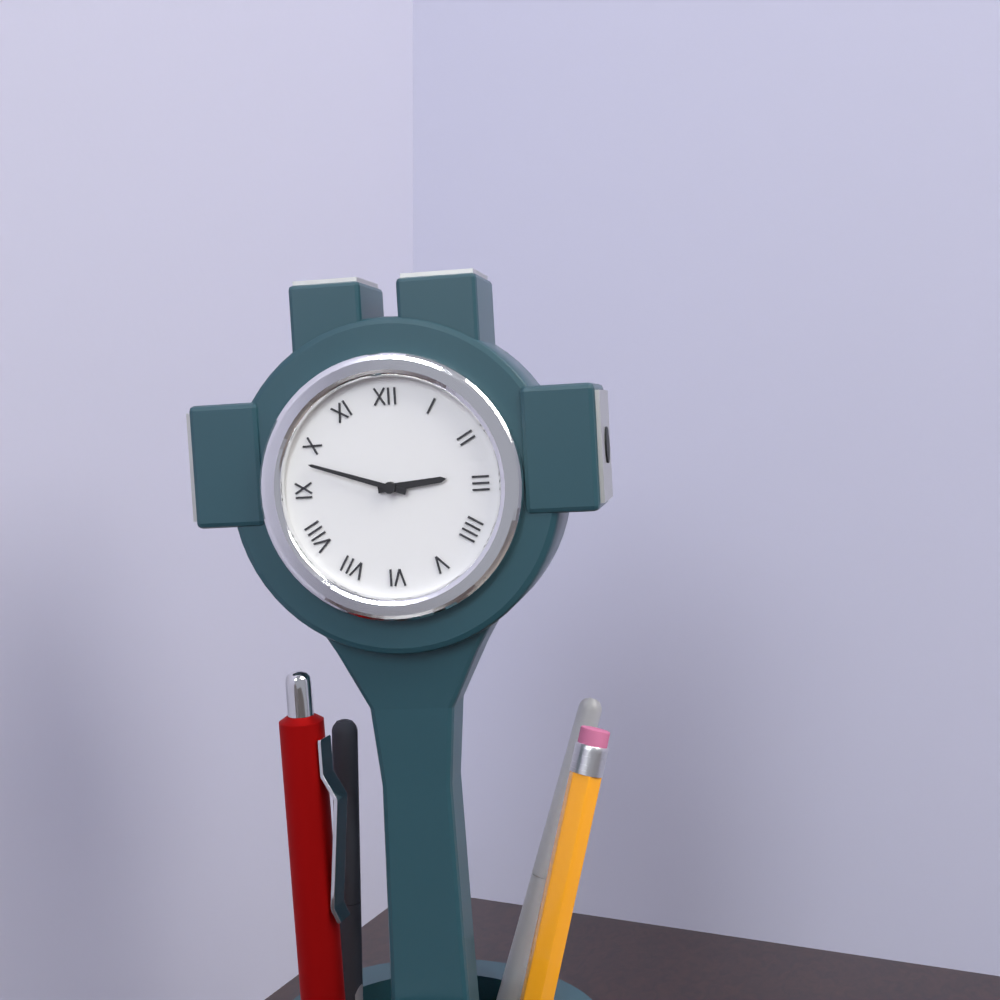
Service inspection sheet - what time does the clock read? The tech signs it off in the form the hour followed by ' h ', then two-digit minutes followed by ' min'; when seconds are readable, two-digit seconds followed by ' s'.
2 h 48 min
